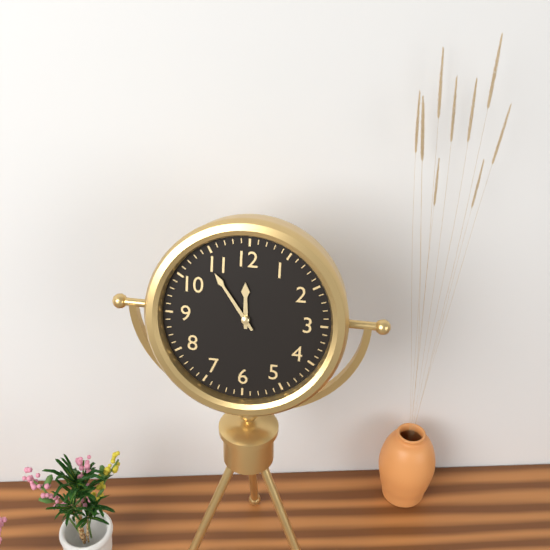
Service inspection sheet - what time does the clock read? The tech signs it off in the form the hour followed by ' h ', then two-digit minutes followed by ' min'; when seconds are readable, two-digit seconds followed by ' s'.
11 h 54 min
